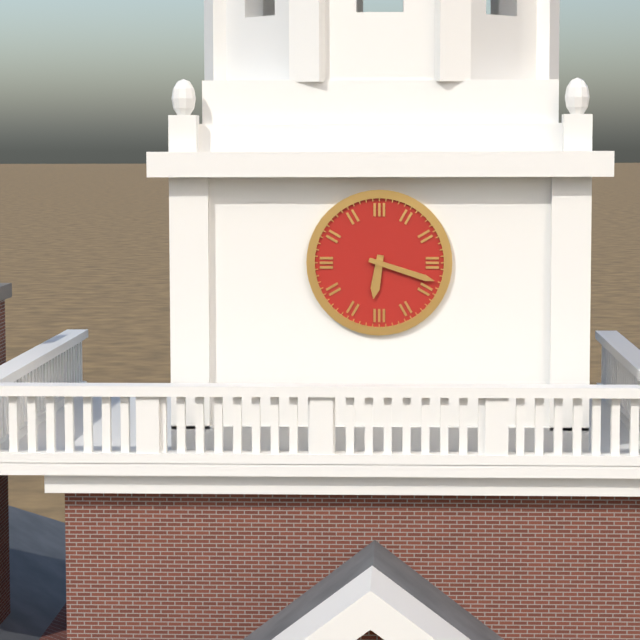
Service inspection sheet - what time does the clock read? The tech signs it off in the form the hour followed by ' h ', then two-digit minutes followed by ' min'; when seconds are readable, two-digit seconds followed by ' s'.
6 h 18 min
